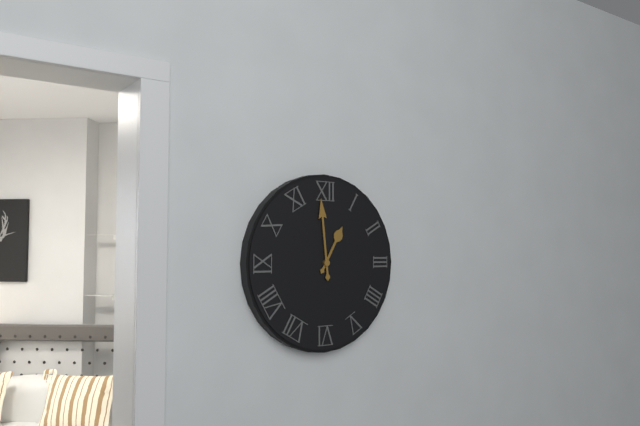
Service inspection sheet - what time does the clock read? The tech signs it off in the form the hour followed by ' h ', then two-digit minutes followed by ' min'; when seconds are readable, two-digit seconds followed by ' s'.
12 h 59 min
